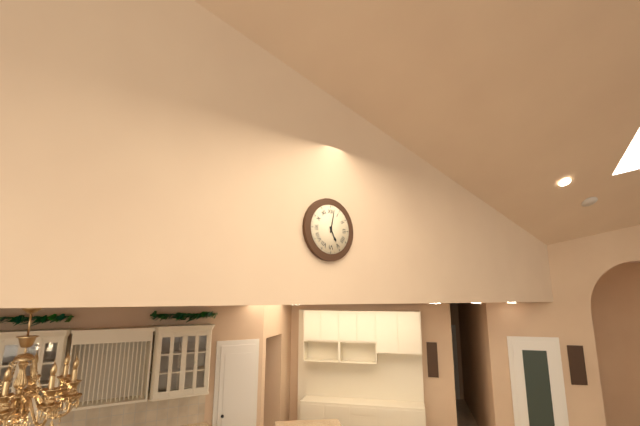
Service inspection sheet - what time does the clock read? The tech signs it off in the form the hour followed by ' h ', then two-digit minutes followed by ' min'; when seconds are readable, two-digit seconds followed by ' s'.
5 h 02 min
